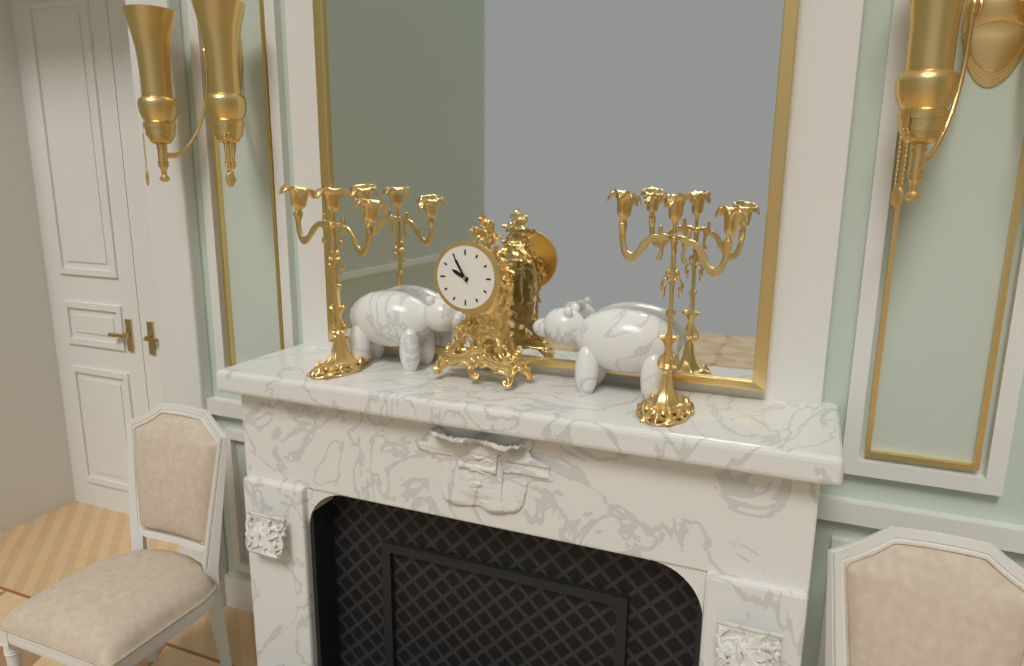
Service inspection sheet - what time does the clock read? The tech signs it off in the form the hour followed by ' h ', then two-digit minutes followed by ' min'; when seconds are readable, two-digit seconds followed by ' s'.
9 h 55 min
